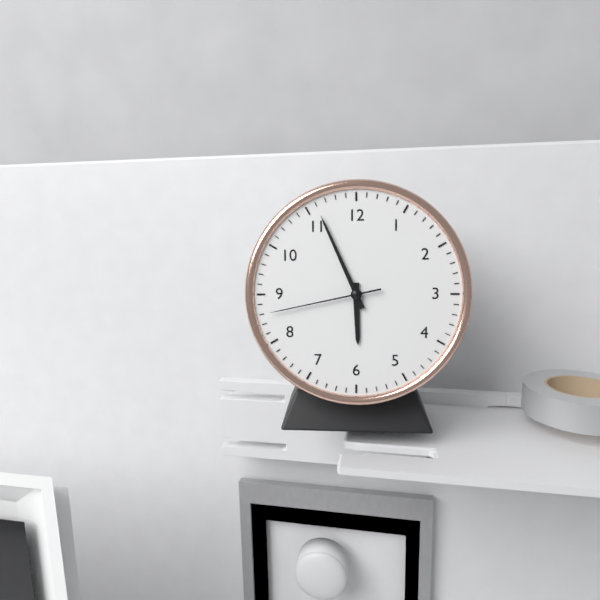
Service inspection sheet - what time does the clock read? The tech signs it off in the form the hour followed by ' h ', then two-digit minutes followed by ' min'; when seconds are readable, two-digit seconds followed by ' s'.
5 h 56 min 43 s
